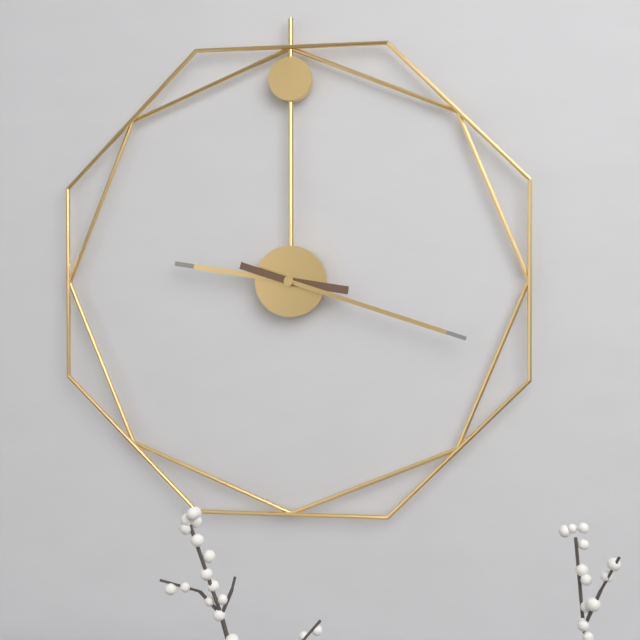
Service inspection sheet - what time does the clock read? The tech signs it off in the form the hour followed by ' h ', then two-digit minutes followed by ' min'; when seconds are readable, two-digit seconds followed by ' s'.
9 h 18 min
